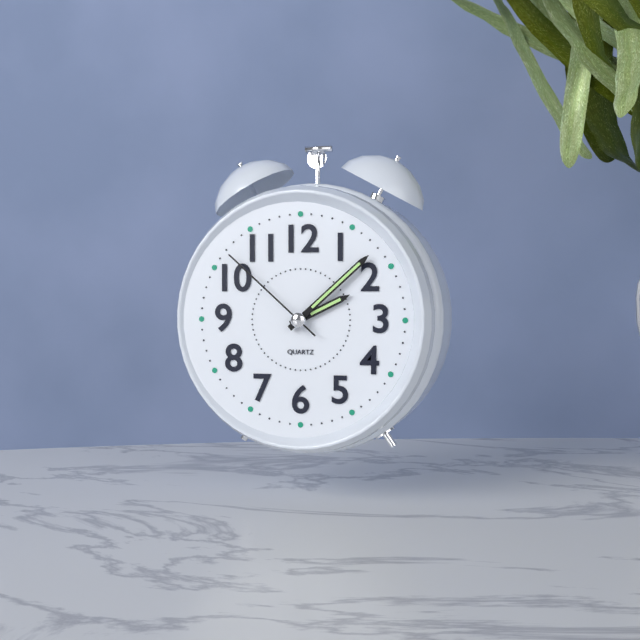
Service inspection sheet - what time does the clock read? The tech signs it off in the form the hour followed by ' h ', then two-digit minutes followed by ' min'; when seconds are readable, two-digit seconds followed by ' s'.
2 h 08 min 52 s
